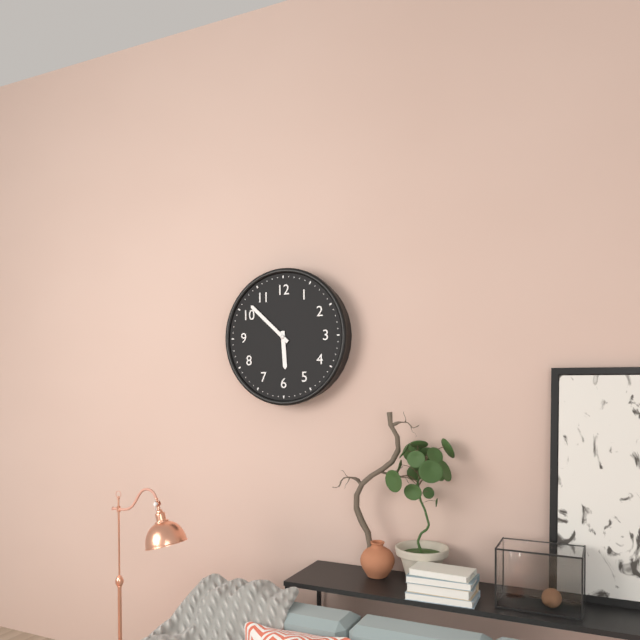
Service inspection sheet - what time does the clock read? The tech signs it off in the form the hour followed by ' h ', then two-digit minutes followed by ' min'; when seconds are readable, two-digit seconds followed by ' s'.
5 h 52 min
